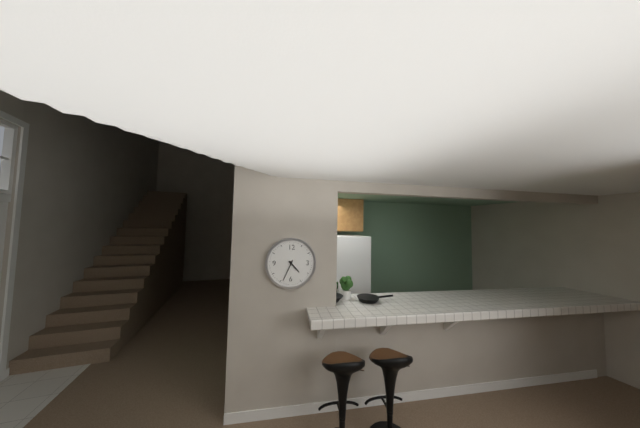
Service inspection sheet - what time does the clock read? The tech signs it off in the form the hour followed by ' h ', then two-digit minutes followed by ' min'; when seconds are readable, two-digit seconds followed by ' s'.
4 h 34 min
